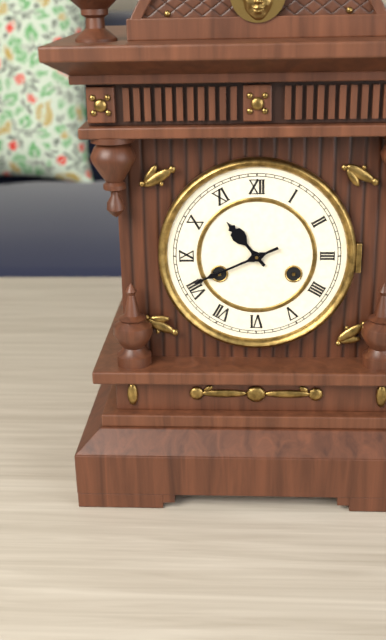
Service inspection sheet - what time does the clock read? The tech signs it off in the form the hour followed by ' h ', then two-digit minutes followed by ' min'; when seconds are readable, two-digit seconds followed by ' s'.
10 h 41 min
